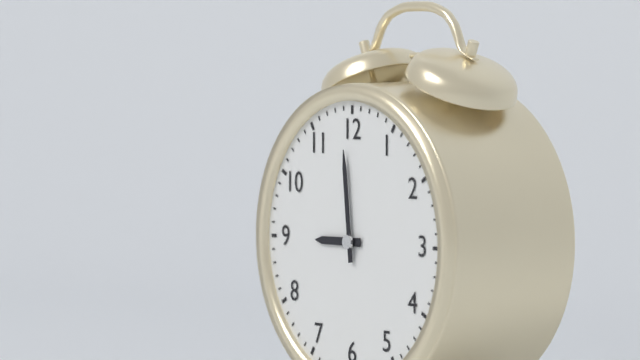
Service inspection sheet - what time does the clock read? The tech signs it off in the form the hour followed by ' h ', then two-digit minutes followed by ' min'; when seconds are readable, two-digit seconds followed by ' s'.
8 h 59 min
